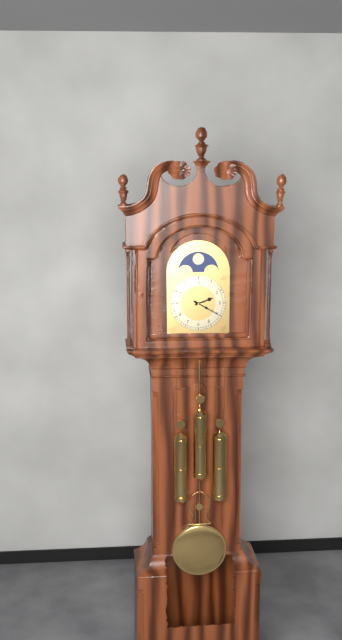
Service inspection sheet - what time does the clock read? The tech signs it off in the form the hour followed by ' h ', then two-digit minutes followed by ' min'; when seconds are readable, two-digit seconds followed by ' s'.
2 h 20 min
